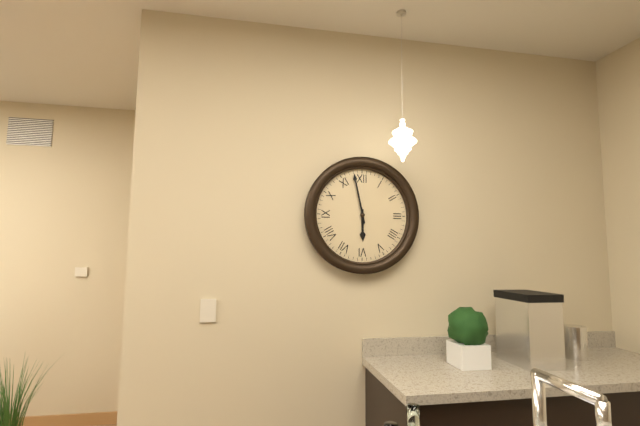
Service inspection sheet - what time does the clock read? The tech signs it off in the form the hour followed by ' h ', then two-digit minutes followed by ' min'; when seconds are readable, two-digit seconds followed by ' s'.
5 h 58 min
